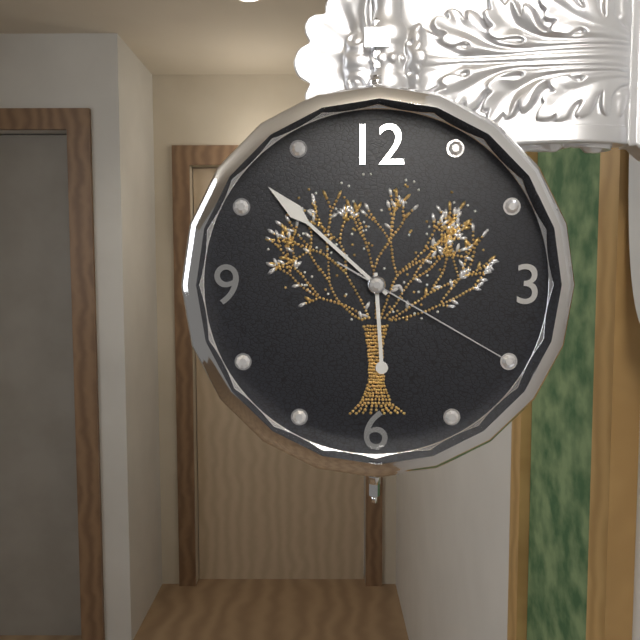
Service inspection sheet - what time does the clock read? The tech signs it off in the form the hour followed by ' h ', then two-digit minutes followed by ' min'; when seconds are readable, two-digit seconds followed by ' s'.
5 h 52 min 20 s
